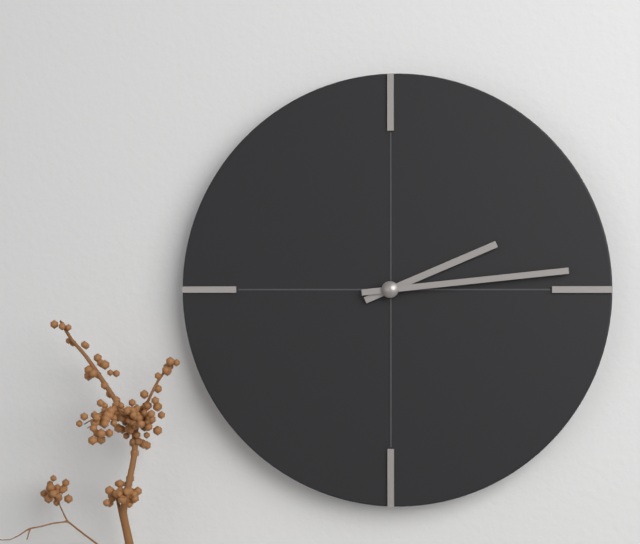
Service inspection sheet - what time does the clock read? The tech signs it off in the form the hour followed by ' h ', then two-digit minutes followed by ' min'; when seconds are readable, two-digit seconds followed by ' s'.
2 h 14 min
